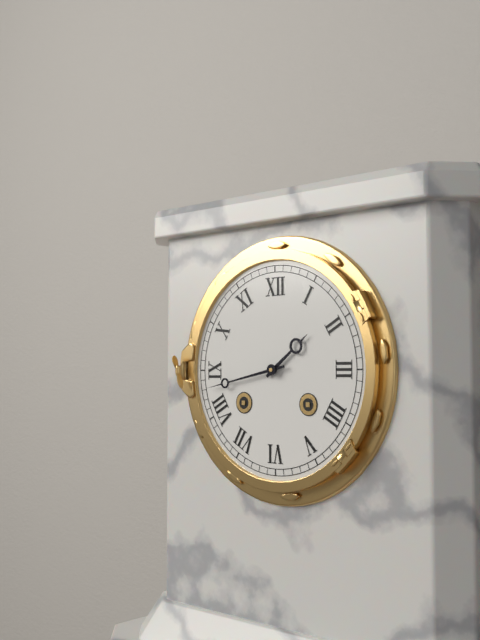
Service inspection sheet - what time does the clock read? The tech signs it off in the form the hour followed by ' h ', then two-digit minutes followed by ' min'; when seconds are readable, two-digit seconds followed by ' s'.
1 h 43 min
